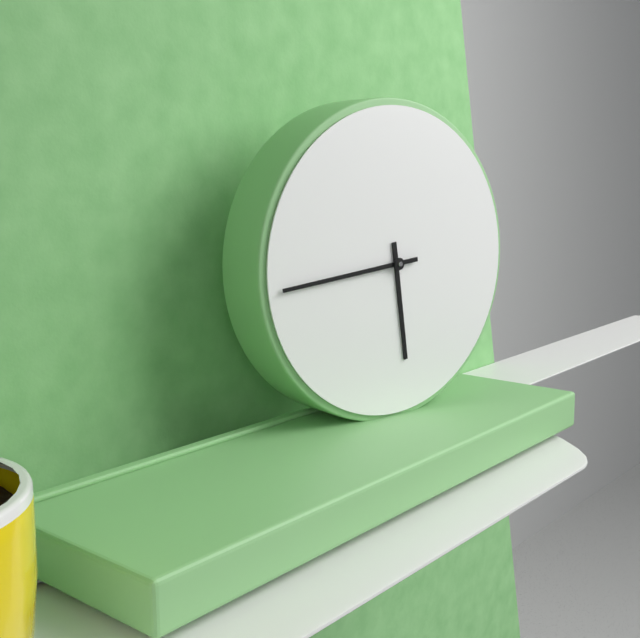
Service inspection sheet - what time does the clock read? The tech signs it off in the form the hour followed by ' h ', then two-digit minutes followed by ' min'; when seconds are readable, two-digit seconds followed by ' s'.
5 h 44 min
